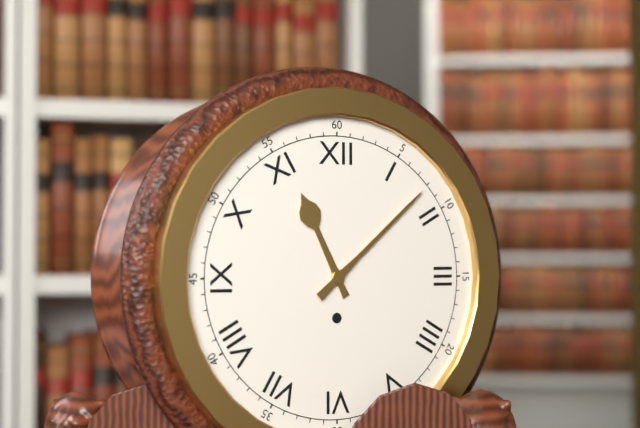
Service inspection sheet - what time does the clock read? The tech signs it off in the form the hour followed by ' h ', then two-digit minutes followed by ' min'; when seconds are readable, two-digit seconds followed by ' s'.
11 h 08 min
